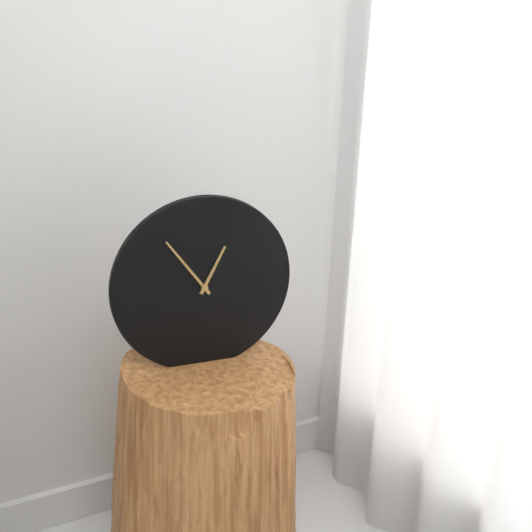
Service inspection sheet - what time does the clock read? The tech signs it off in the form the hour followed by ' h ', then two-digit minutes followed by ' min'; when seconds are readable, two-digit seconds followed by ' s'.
12 h 54 min
